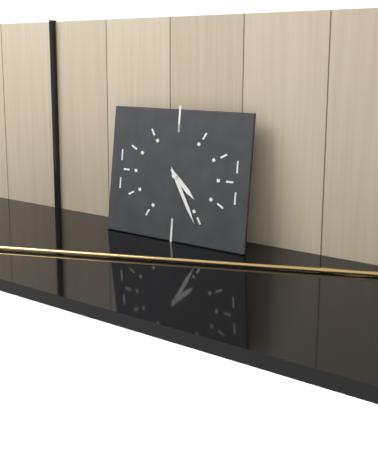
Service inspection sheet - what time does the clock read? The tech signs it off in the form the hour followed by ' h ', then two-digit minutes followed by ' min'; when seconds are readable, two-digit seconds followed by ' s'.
4 h 25 min
